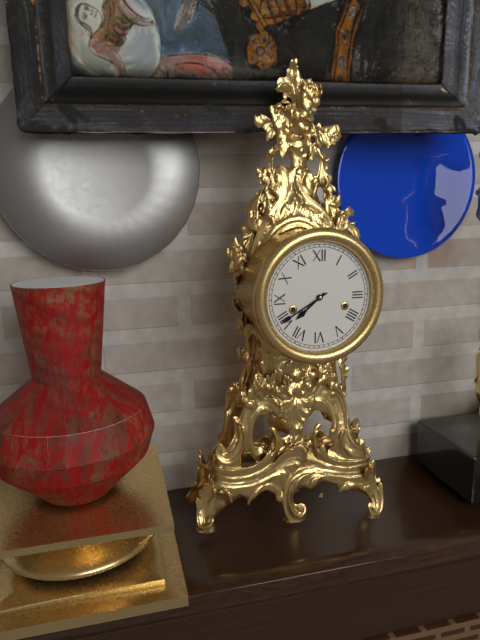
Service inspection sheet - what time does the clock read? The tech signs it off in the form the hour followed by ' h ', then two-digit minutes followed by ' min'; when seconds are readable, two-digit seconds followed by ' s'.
7 h 40 min
